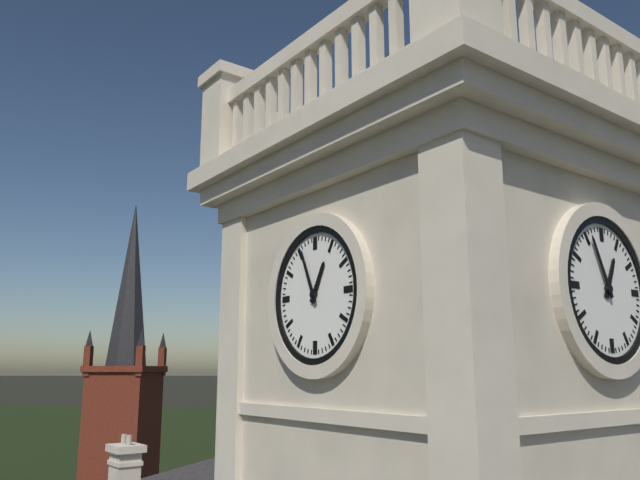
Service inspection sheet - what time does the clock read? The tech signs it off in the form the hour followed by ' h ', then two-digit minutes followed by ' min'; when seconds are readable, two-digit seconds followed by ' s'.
12 h 56 min
